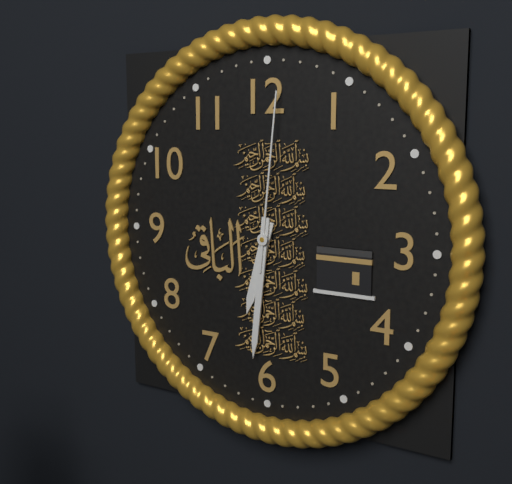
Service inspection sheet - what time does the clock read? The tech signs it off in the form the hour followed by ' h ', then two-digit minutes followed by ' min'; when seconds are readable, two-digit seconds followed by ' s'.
6 h 31 min 01 s
